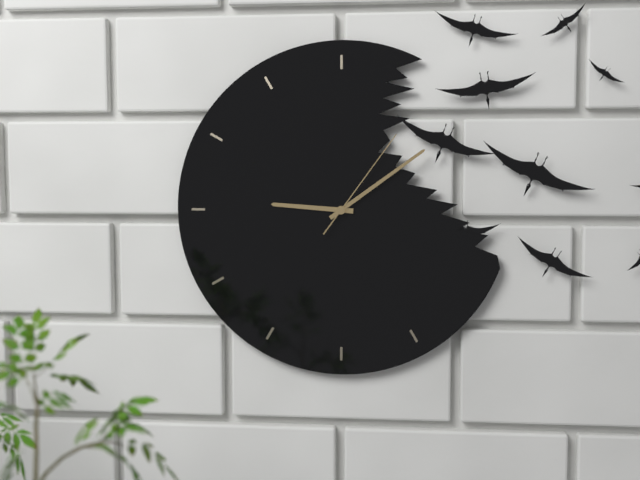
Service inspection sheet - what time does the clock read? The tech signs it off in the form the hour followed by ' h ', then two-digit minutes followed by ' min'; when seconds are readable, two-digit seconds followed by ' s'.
9 h 09 min 06 s
